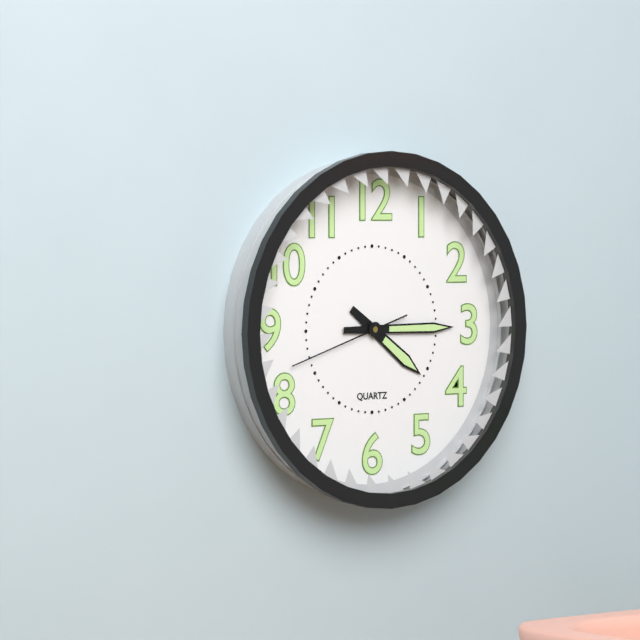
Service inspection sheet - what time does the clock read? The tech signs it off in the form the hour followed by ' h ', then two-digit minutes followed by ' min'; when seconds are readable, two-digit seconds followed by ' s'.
4 h 15 min 42 s
